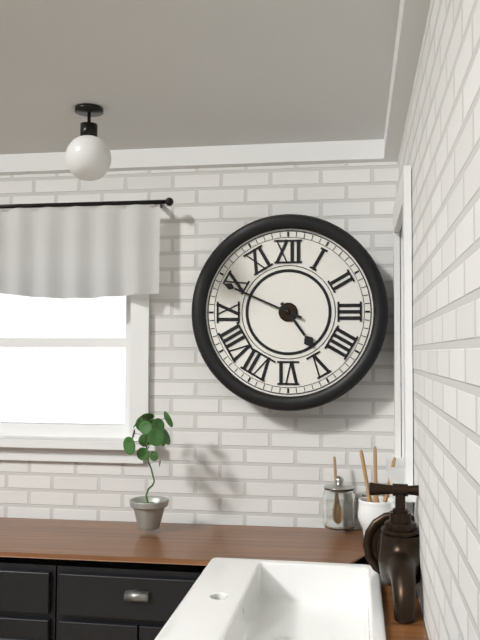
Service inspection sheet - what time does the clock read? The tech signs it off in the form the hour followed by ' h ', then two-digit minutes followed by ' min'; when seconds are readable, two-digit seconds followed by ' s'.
4 h 49 min
